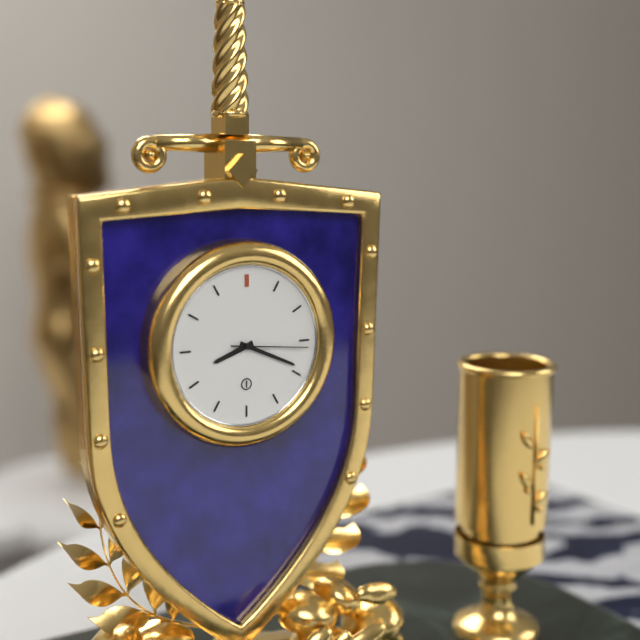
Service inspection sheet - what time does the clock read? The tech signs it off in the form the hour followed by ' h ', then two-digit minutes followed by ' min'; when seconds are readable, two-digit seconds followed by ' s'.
8 h 19 min 16 s
